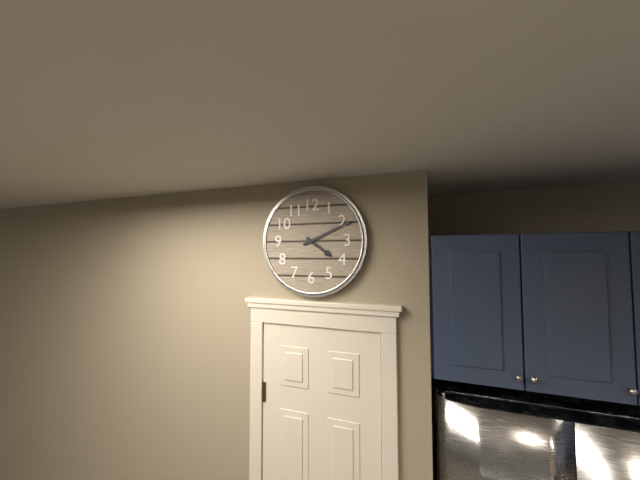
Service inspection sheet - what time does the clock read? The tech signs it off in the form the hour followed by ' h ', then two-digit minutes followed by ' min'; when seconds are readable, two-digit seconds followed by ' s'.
4 h 11 min
